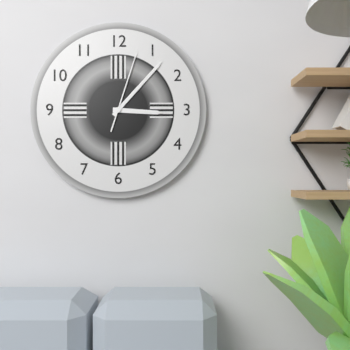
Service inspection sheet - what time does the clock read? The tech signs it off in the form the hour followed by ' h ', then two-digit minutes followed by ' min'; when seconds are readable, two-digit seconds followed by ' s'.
3 h 07 min 03 s
